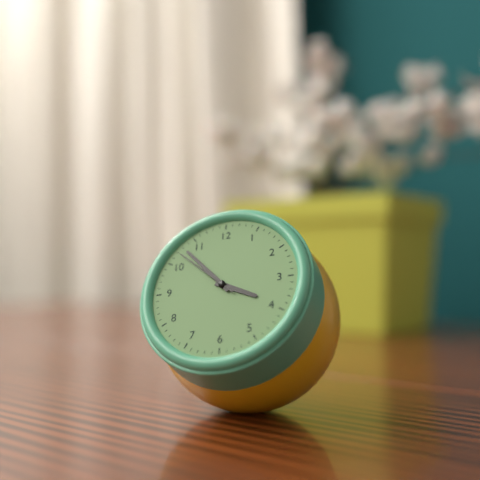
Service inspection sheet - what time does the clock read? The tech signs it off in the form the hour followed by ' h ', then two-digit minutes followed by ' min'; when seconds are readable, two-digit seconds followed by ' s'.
3 h 53 min 52 s
